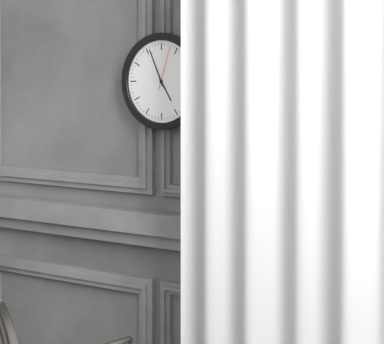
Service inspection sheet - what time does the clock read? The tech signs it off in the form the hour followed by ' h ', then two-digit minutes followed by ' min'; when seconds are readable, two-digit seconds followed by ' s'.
4 h 56 min
